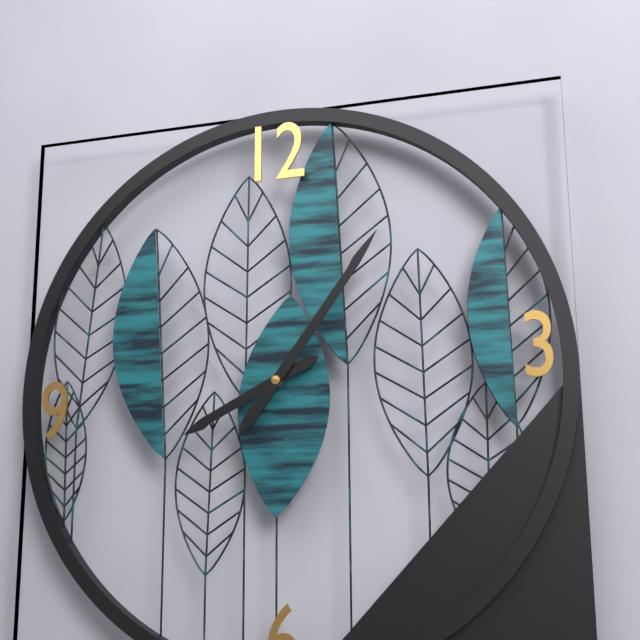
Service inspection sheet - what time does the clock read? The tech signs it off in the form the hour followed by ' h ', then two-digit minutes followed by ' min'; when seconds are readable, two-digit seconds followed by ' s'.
8 h 06 min
